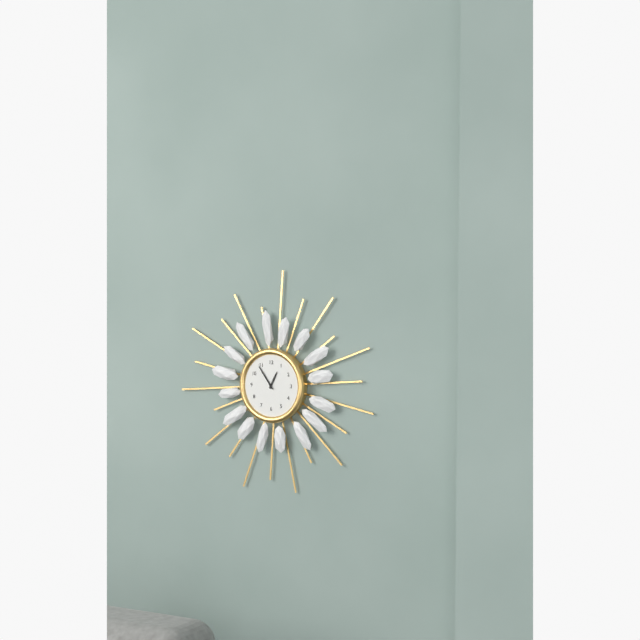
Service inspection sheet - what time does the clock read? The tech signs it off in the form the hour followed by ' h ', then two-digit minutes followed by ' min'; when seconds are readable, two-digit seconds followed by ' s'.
12 h 54 min
